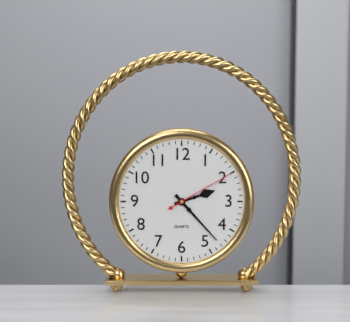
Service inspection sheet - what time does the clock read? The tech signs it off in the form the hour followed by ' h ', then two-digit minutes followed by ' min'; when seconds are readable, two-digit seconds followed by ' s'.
2 h 23 min 10 s
